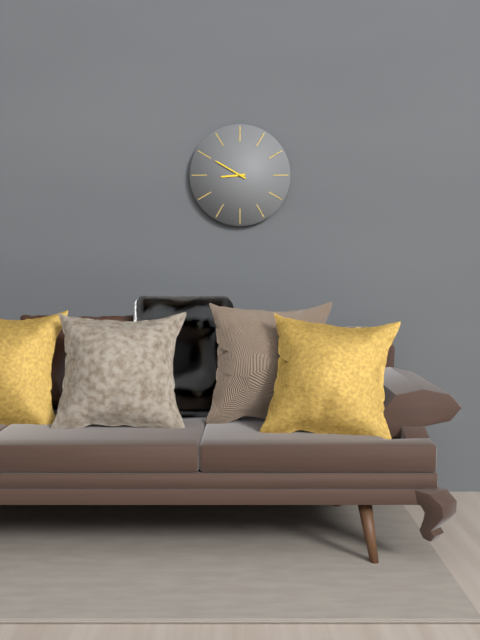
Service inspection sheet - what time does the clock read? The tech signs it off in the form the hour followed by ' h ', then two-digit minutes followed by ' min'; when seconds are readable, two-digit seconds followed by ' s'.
8 h 50 min
